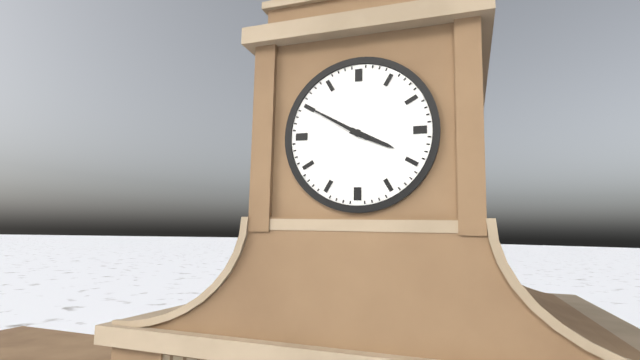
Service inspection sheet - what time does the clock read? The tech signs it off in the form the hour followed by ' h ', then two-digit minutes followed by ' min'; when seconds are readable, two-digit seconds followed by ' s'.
3 h 50 min
